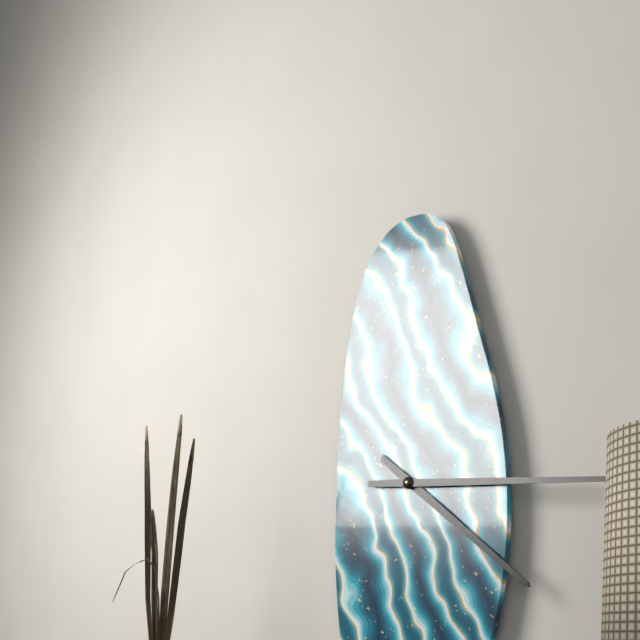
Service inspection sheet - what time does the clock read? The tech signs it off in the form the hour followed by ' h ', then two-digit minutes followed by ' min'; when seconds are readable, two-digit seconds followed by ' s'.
4 h 16 min
